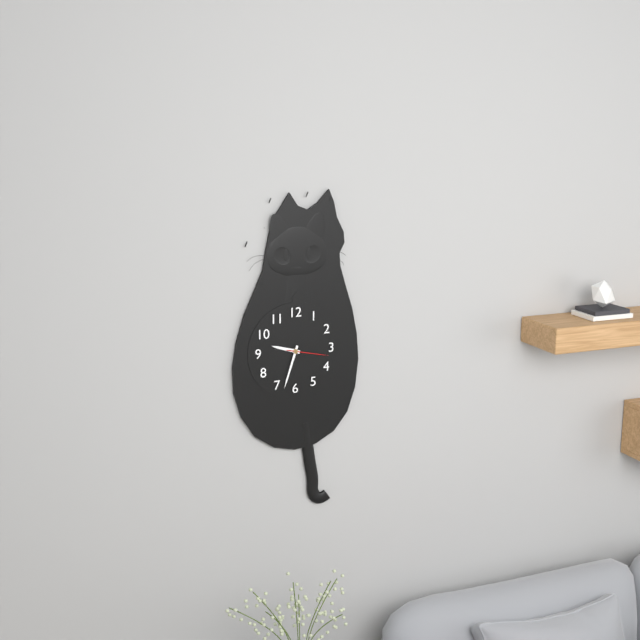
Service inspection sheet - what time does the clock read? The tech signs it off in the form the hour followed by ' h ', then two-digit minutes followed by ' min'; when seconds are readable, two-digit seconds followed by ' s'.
9 h 33 min
